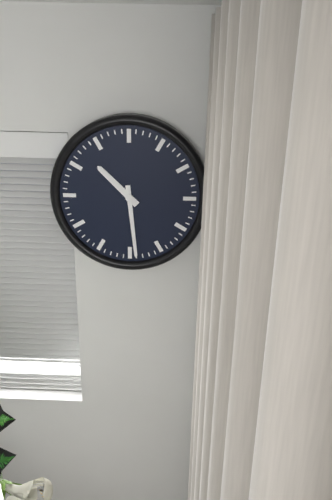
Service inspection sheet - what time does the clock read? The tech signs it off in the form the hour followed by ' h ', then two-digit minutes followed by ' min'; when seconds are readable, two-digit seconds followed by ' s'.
10 h 29 min
